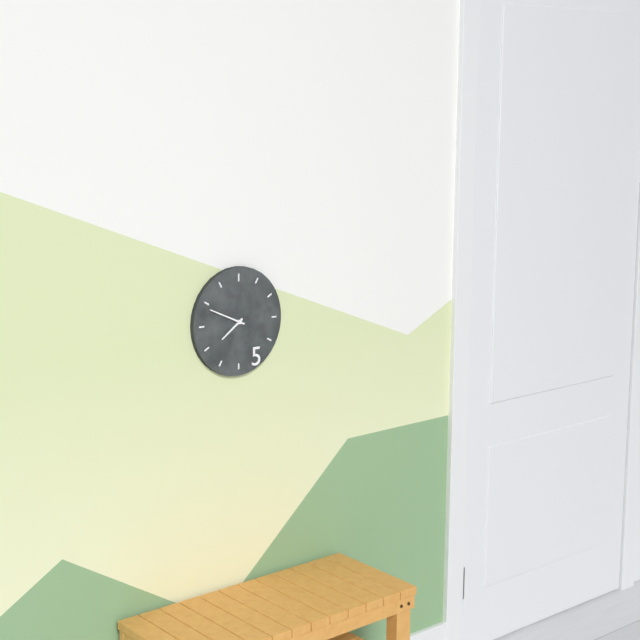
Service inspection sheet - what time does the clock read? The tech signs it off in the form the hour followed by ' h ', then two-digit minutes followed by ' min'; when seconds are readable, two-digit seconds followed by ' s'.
7 h 49 min
